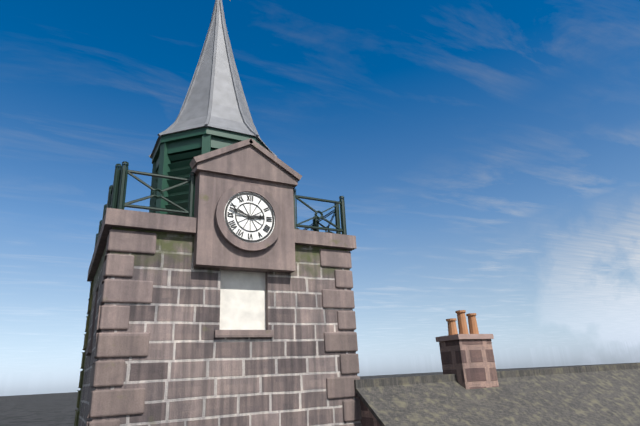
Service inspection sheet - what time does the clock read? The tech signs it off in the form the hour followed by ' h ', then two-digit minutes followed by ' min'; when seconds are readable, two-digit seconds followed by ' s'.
2 h 48 min
